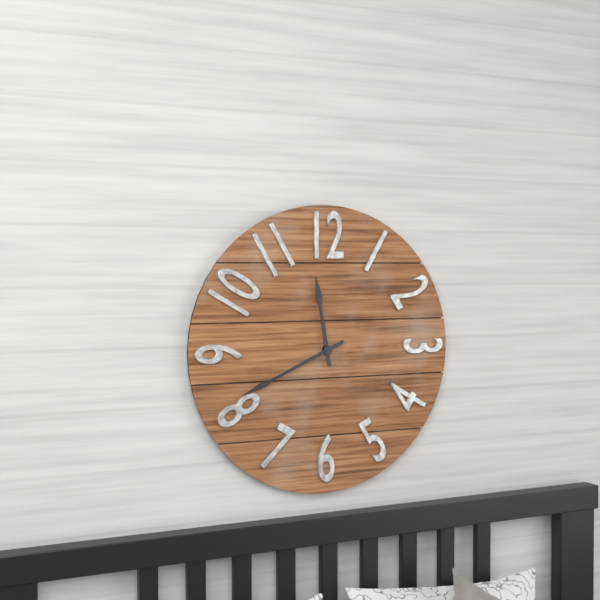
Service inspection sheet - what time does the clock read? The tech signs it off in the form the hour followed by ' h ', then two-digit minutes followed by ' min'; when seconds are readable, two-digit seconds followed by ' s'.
11 h 41 min
